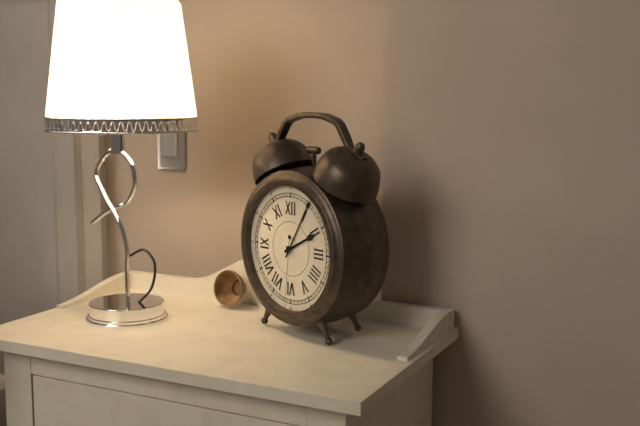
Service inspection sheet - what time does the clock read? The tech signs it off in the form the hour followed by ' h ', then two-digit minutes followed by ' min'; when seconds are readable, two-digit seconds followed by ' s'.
2 h 05 min 31 s
